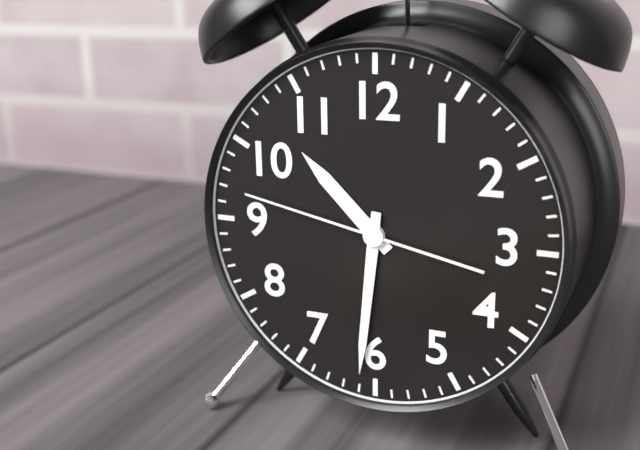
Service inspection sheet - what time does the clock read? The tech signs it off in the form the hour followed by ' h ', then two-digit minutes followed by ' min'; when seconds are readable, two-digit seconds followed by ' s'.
10 h 31 min 47 s
